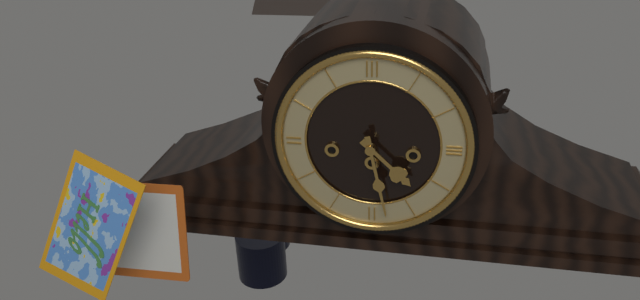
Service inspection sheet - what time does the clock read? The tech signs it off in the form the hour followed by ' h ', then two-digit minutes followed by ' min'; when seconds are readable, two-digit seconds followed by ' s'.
4 h 28 min
